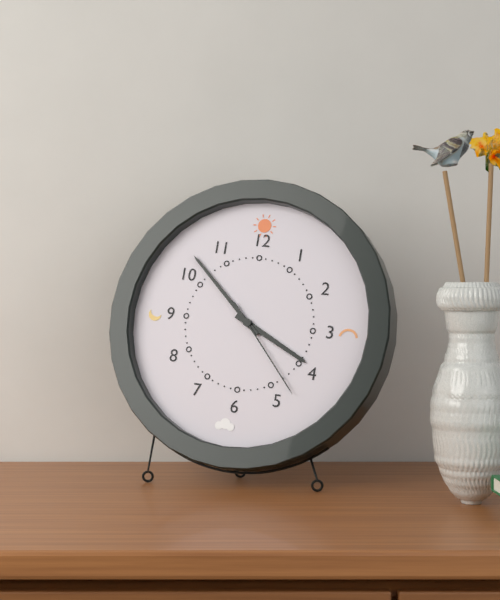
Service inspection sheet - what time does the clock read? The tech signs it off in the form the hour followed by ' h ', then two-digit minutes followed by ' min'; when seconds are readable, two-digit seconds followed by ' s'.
3 h 52 min 23 s
